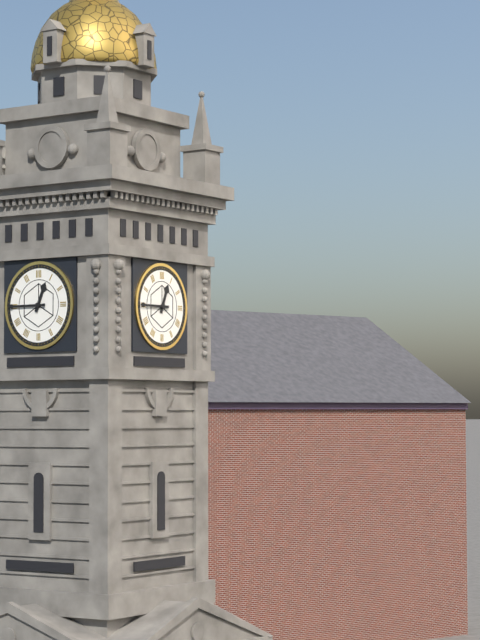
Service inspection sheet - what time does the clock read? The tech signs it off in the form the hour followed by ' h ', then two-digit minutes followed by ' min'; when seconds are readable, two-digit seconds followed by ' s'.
12 h 45 min
